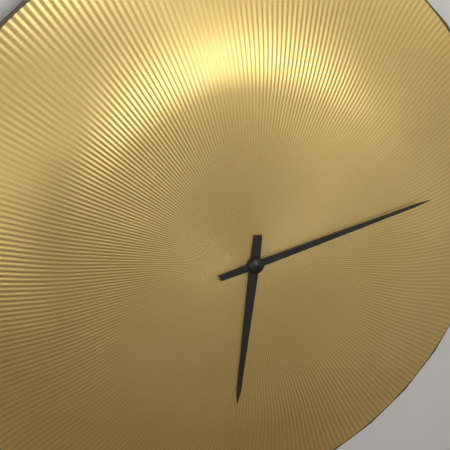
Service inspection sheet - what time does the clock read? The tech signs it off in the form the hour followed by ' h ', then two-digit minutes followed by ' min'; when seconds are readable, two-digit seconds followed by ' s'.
6 h 13 min
